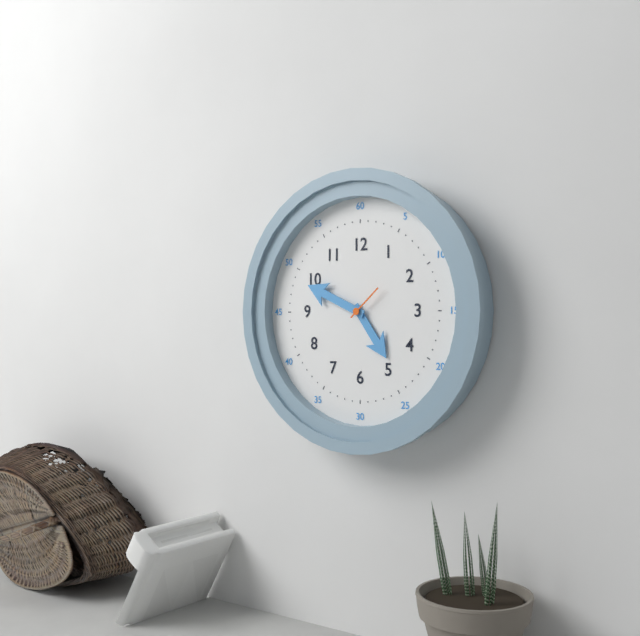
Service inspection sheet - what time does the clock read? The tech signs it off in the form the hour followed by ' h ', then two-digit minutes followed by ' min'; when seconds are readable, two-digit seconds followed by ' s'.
4 h 49 min
